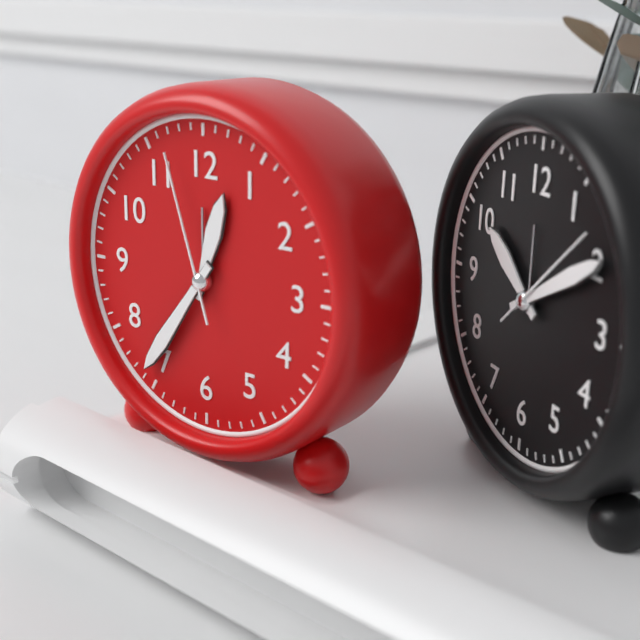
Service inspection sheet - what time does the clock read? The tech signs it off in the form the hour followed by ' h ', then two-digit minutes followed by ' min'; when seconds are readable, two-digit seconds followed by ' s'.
12 h 36 min 57 s
